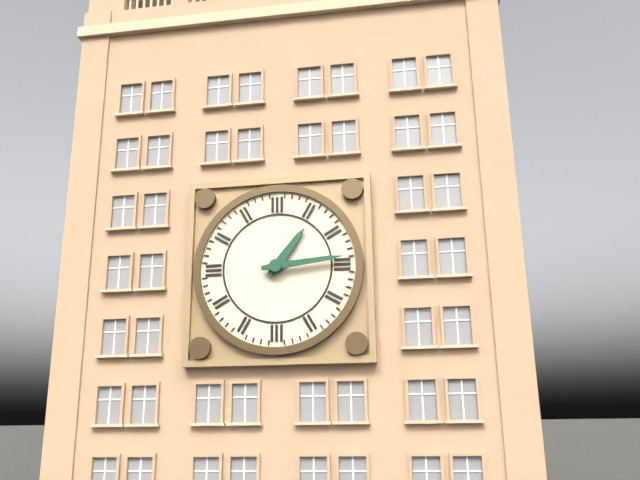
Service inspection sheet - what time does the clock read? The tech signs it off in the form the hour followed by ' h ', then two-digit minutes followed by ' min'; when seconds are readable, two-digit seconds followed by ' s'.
1 h 14 min
